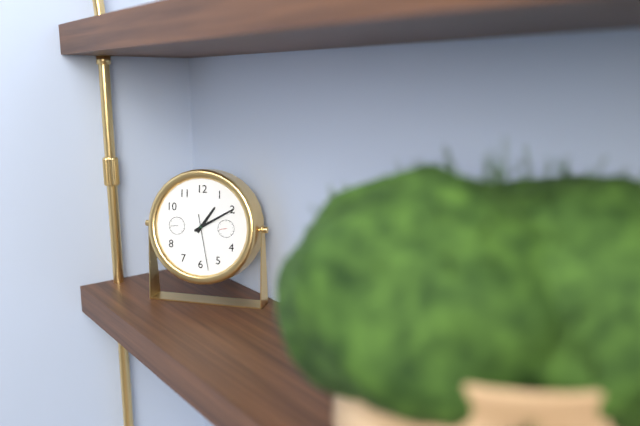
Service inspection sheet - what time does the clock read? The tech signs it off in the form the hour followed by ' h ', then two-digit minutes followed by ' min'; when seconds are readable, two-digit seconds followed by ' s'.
1 h 10 min 28 s
